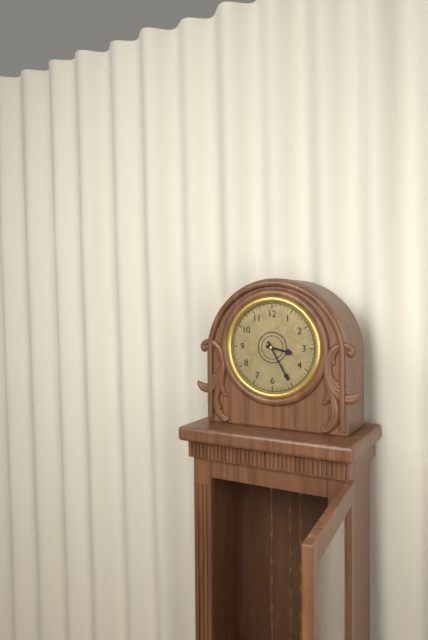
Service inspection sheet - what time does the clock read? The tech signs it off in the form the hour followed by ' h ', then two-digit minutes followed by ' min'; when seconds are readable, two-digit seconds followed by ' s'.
3 h 25 min
